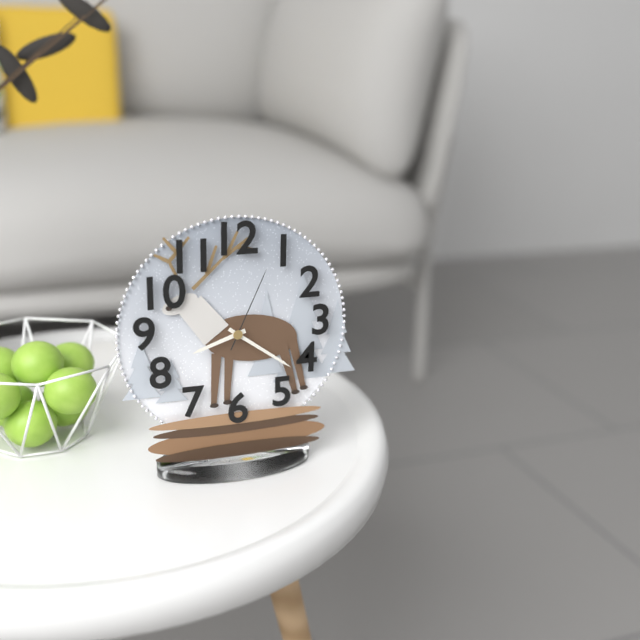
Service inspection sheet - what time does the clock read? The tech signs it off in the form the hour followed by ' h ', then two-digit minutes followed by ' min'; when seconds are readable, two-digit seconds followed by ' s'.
8 h 21 min 04 s
